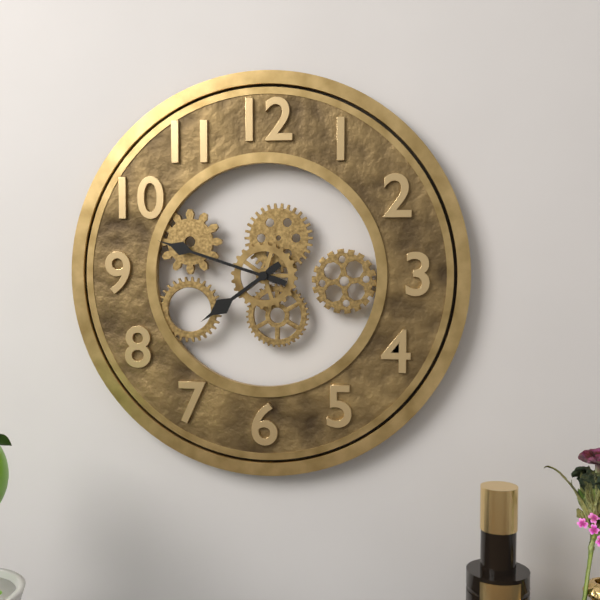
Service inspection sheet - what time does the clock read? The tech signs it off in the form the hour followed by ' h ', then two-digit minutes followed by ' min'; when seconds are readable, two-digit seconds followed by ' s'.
7 h 48 min
